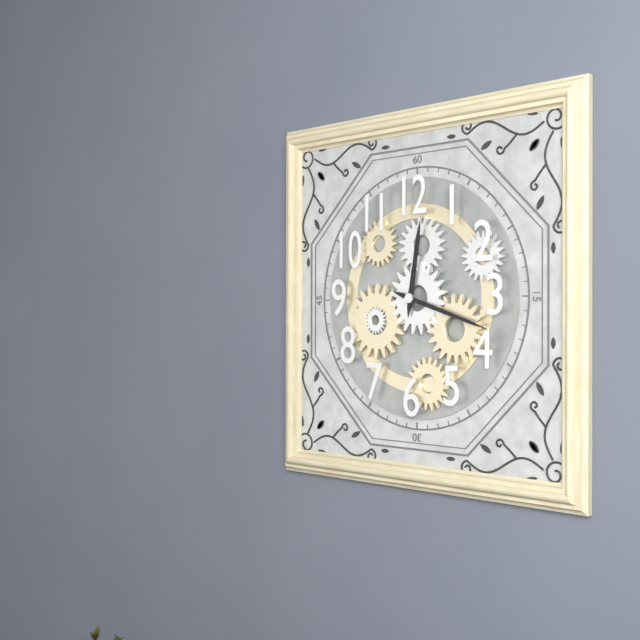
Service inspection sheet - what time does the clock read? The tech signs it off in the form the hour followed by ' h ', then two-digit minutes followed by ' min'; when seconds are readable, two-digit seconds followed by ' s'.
12 h 18 min
